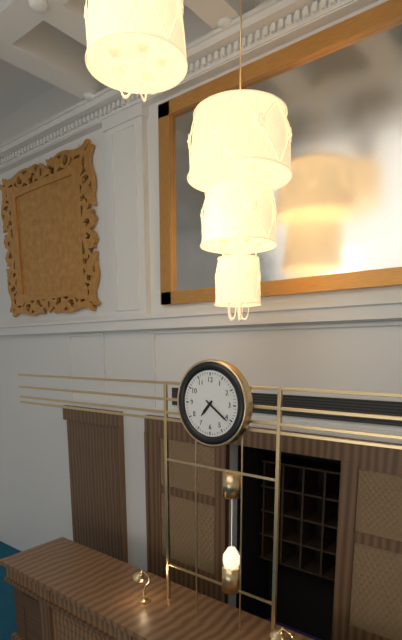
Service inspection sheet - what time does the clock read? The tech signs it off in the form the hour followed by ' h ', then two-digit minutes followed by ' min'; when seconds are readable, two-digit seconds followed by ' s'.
7 h 21 min
